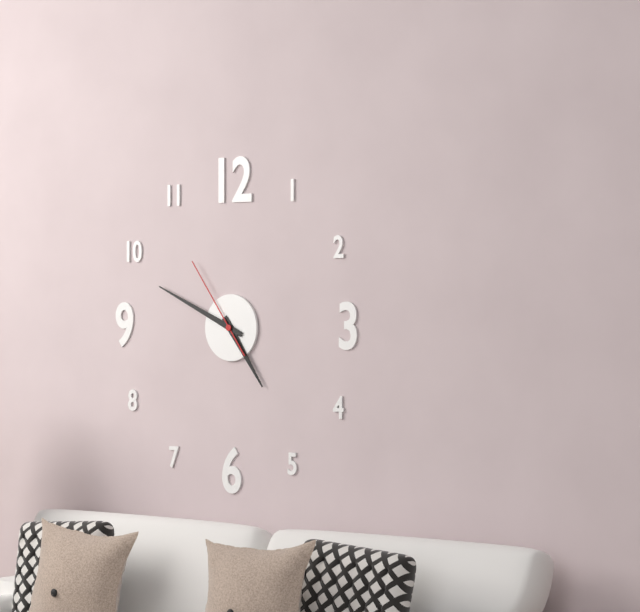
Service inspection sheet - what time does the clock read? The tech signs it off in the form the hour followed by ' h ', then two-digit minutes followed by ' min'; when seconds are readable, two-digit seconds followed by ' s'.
4 h 49 min 54 s
